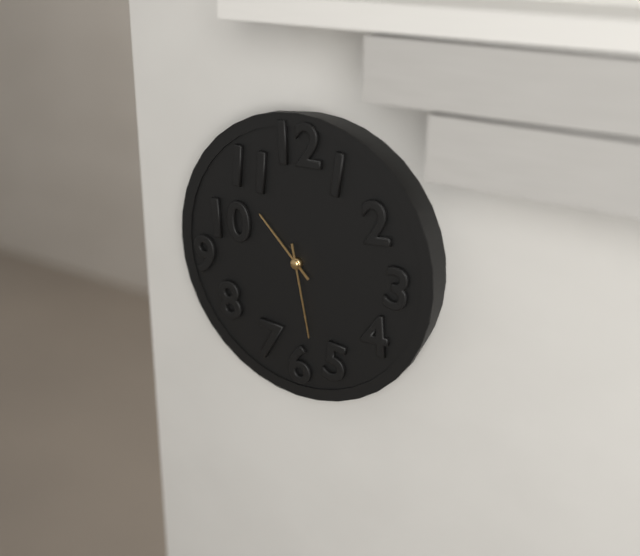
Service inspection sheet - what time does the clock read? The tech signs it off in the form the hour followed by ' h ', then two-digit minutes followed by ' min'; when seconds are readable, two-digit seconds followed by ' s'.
10 h 28 min
